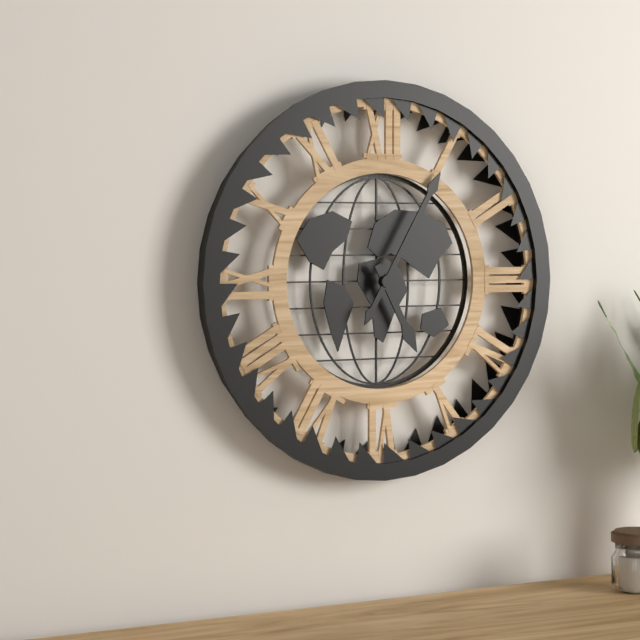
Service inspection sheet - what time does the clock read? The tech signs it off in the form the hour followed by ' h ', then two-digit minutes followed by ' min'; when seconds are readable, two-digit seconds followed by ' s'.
5 h 05 min
